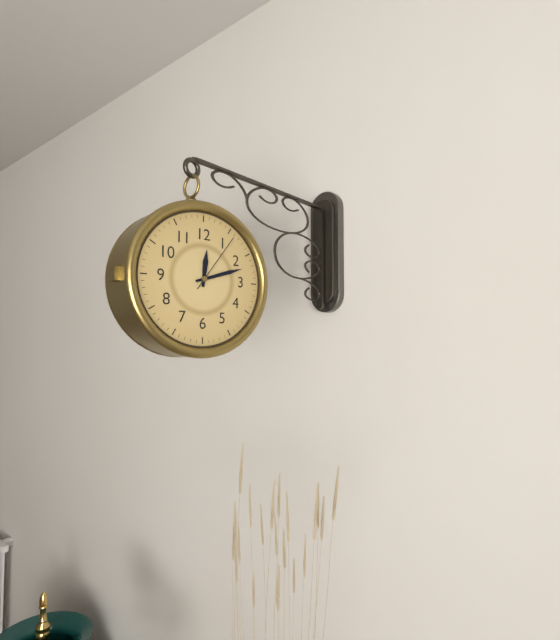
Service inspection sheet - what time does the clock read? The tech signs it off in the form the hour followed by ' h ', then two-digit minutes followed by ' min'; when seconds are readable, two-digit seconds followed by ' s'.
12 h 12 min 06 s
